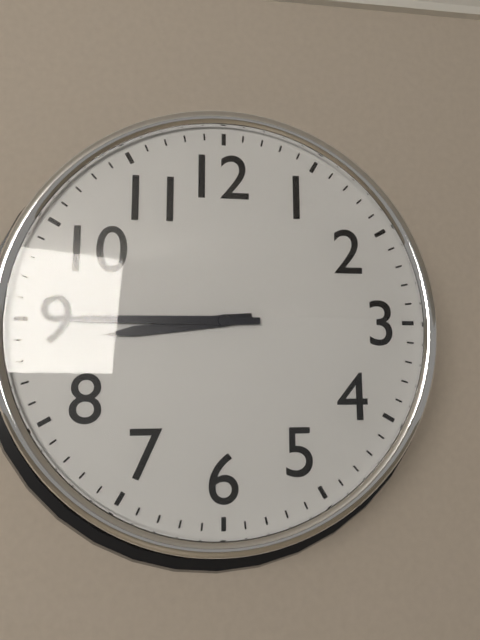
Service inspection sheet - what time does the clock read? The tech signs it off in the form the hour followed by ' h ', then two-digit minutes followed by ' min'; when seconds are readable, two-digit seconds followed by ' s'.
8 h 45 min
